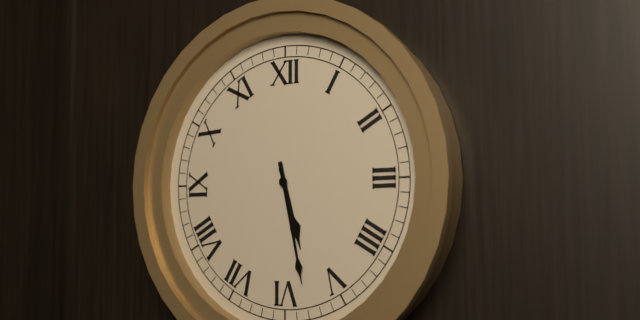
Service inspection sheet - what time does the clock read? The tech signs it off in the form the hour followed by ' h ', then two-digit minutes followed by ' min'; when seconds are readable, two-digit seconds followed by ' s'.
5 h 28 min
